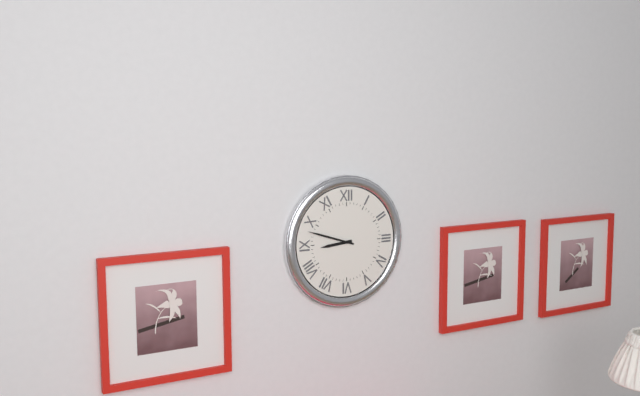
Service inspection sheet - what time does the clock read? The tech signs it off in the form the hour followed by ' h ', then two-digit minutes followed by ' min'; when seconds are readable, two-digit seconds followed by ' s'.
8 h 48 min
